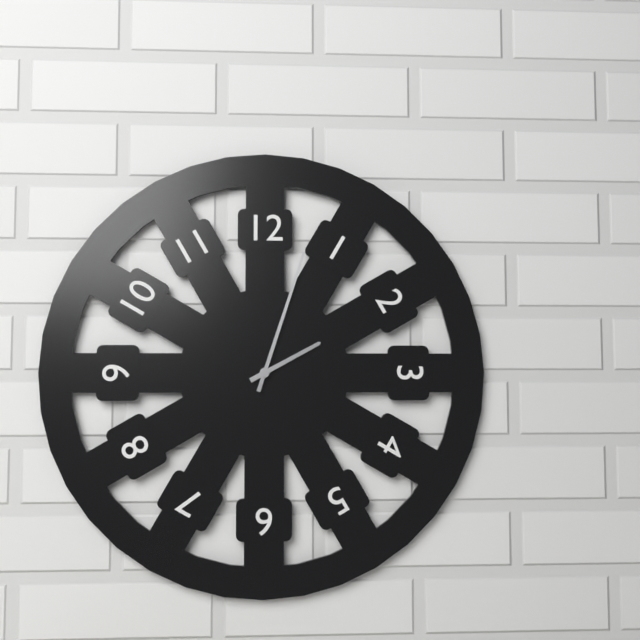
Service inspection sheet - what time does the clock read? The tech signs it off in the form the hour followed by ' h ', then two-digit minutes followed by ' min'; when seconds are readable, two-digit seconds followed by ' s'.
2 h 03 min
